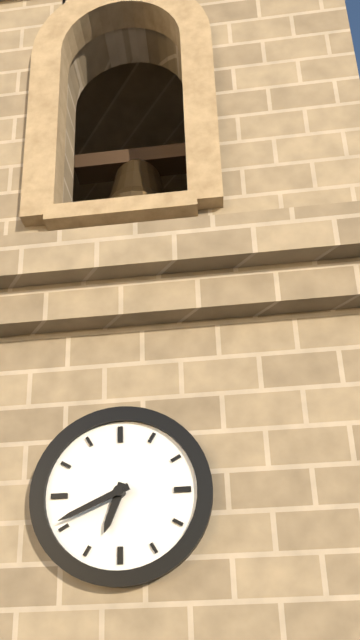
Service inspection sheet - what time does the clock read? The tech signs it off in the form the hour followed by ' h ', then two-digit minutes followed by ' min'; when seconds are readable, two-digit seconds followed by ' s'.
6 h 41 min
